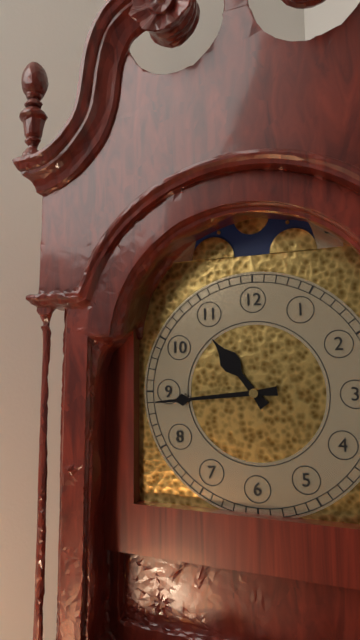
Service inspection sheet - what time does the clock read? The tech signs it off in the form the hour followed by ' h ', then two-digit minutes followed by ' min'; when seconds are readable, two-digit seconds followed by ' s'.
10 h 44 min
